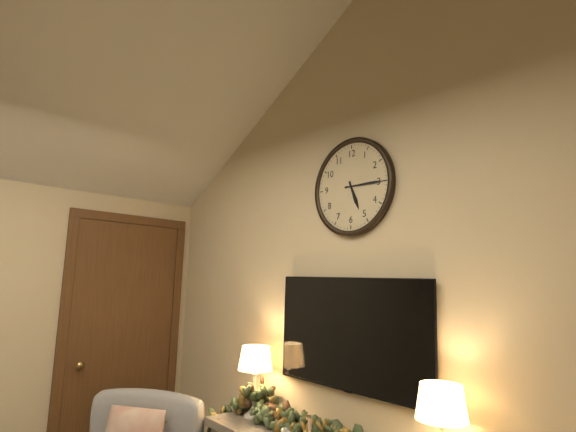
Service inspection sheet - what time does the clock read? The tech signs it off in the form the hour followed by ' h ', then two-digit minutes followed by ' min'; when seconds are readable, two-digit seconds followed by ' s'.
5 h 15 min
